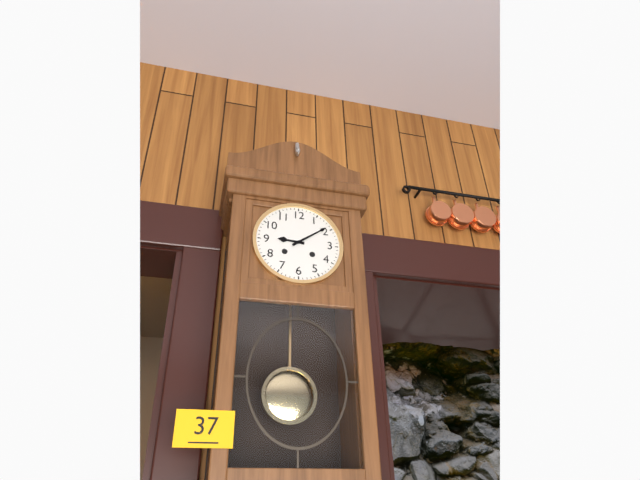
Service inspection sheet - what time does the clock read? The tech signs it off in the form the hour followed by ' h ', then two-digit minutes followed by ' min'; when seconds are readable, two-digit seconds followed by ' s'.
9 h 09 min
